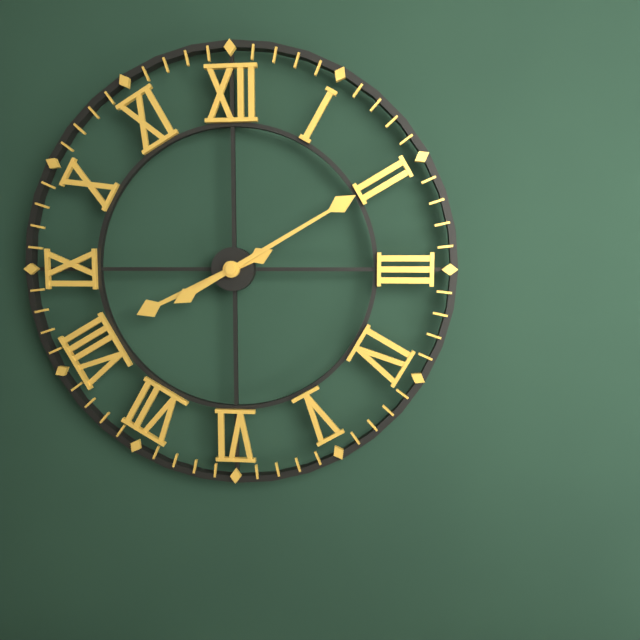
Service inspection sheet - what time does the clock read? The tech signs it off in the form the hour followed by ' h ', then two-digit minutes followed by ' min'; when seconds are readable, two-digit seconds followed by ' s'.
8 h 10 min
